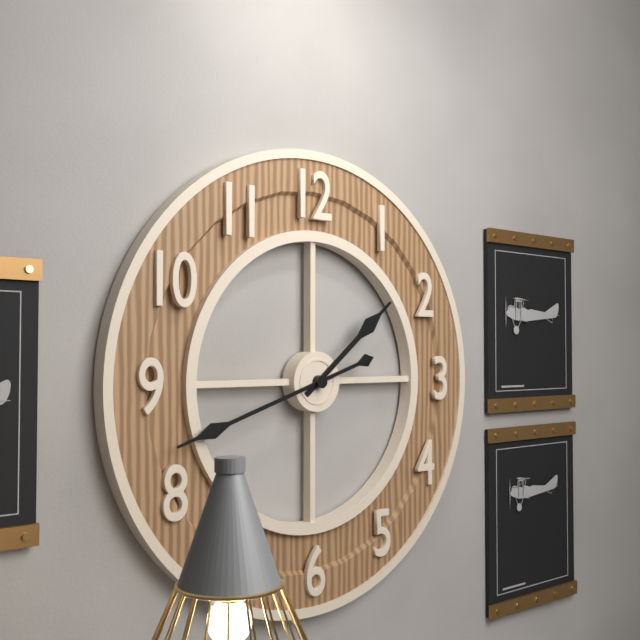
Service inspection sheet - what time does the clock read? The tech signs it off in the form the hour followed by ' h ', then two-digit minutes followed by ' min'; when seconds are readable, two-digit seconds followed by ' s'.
1 h 42 min
